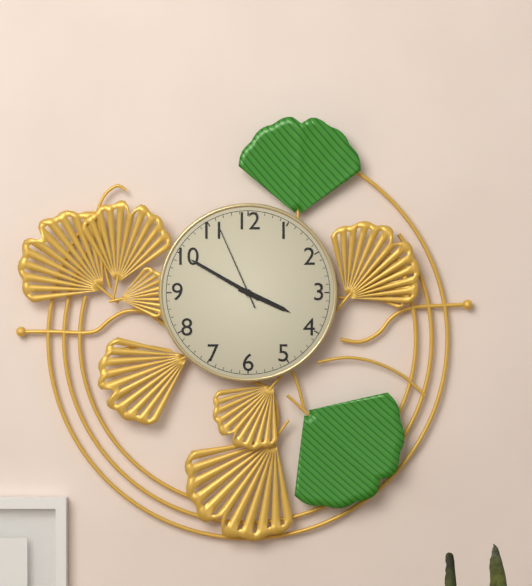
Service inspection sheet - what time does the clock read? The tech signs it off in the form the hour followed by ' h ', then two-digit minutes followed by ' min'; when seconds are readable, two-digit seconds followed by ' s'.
3 h 50 min 56 s
